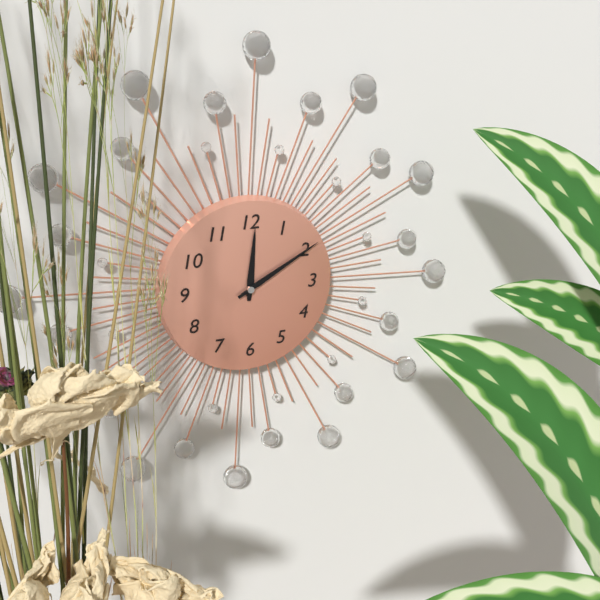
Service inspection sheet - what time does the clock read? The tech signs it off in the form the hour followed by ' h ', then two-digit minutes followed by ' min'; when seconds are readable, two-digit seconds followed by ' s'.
12 h 10 min
